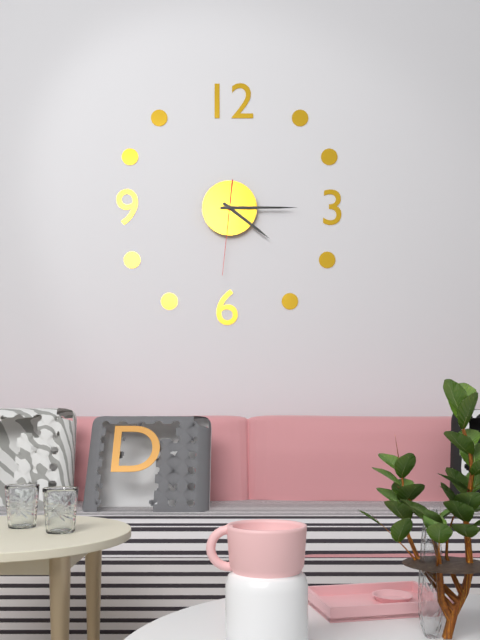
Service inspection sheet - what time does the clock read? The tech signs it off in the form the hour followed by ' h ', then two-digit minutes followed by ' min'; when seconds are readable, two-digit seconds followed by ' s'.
4 h 15 min 31 s
